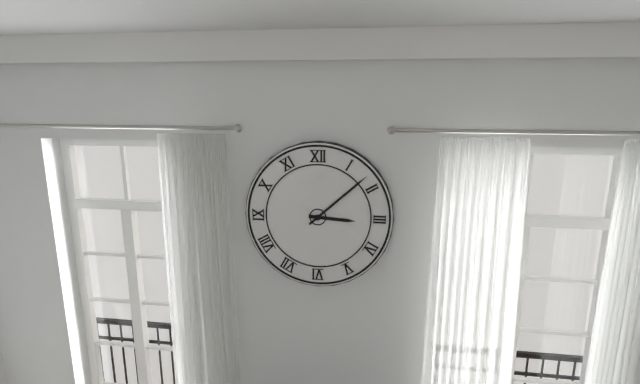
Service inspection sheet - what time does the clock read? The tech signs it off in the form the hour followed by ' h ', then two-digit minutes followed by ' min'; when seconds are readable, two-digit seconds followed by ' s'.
3 h 08 min
